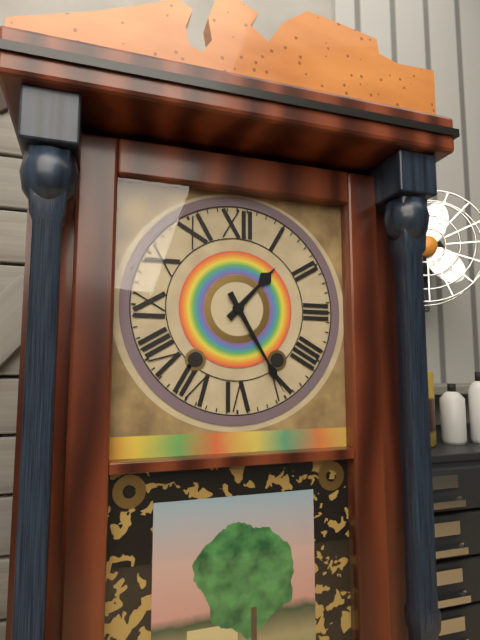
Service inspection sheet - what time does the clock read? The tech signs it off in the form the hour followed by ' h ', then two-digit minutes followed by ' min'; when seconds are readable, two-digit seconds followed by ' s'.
1 h 25 min
